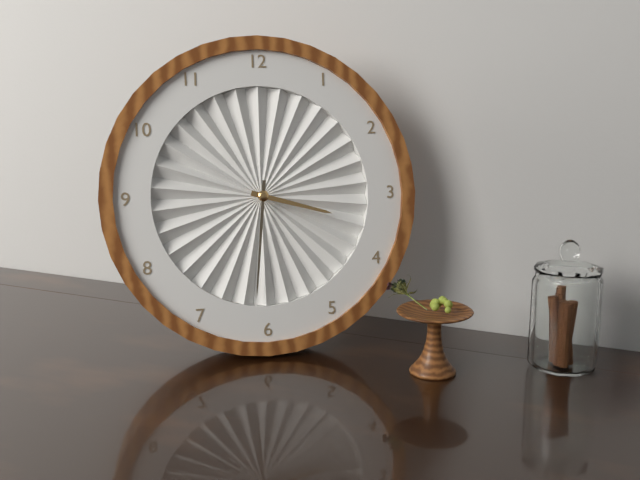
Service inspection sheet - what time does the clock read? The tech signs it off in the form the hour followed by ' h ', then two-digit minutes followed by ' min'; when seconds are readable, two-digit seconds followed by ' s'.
3 h 31 min
